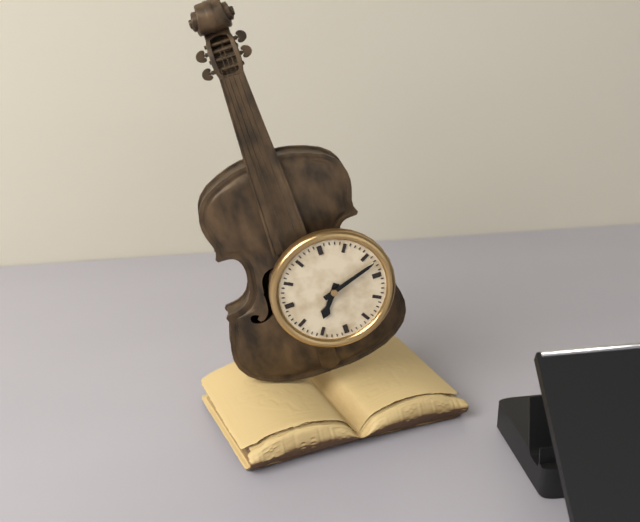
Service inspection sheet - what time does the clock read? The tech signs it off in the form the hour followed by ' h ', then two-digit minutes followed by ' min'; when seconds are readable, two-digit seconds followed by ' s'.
7 h 12 min
